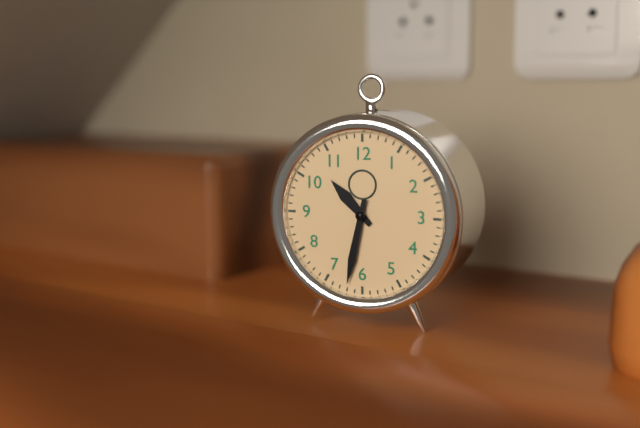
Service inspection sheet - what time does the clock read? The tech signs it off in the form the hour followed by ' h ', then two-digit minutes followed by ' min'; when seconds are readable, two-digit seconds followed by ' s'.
10 h 32 min
